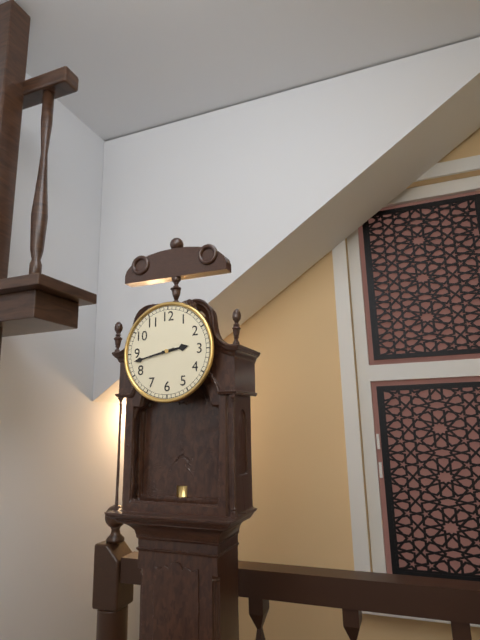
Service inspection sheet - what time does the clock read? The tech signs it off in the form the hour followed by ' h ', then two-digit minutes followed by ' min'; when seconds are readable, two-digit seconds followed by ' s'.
2 h 43 min
